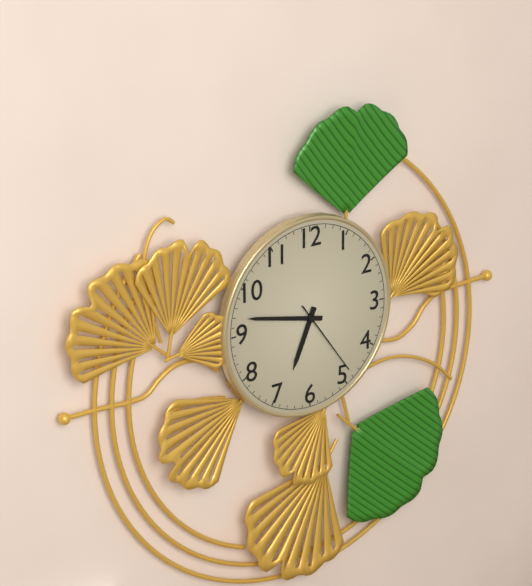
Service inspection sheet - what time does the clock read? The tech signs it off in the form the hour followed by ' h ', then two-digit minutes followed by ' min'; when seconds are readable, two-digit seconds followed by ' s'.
6 h 47 min 24 s
